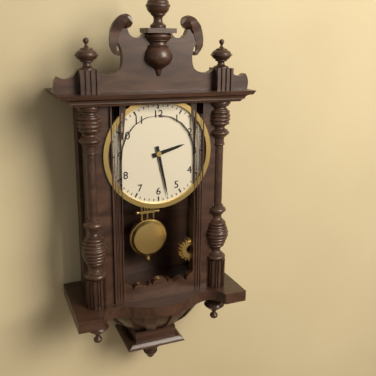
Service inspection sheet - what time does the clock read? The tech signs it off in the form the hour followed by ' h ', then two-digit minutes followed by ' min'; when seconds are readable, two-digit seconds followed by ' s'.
2 h 28 min
